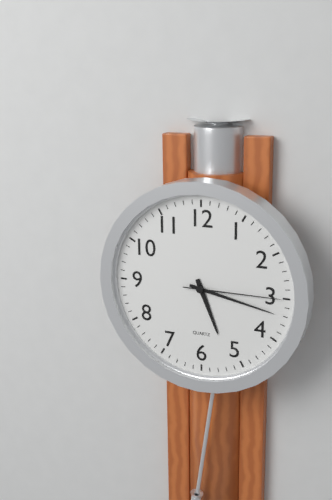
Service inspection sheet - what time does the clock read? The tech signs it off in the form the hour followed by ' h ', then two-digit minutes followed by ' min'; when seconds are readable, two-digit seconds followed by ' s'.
5 h 17 min 15 s
